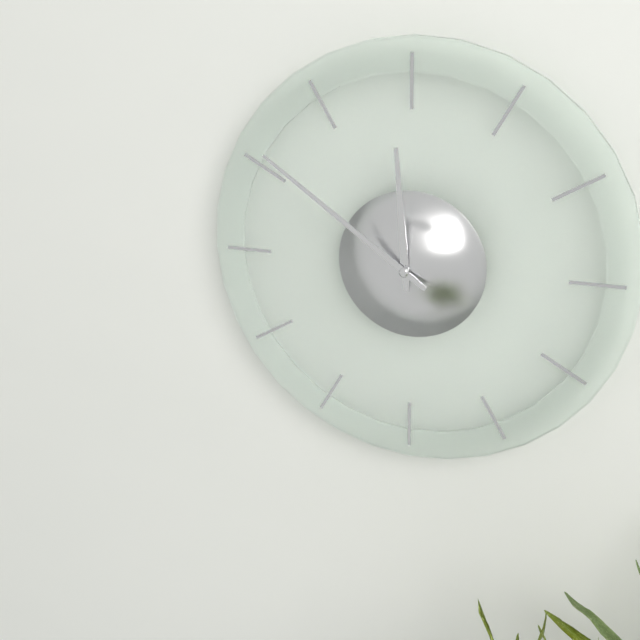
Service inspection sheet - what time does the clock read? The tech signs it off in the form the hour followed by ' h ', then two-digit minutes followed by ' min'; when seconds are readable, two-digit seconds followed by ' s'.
11 h 51 min
